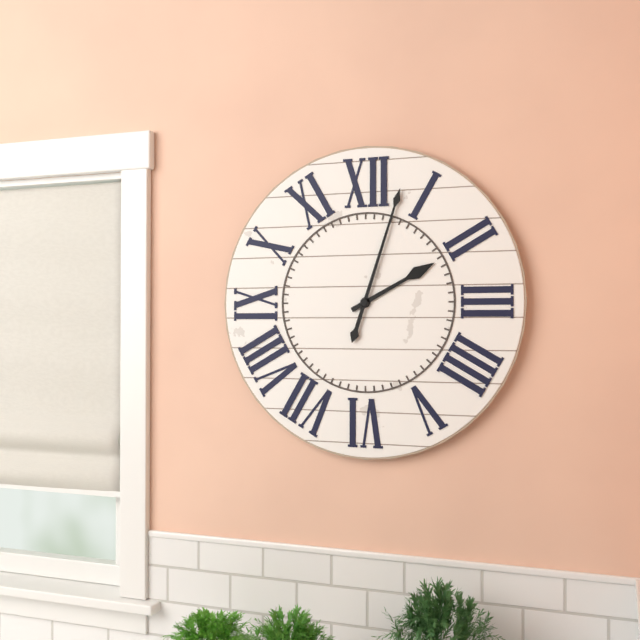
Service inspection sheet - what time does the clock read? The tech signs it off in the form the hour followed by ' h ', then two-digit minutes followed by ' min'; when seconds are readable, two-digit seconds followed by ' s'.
2 h 03 min
